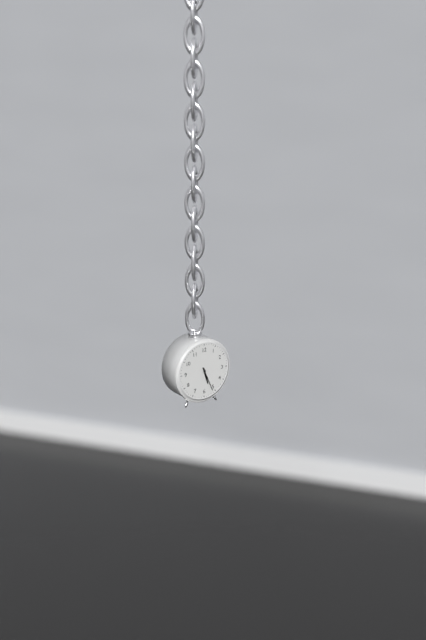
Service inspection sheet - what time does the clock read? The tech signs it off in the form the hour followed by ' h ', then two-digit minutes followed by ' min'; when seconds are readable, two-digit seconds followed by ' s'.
5 h 26 min
